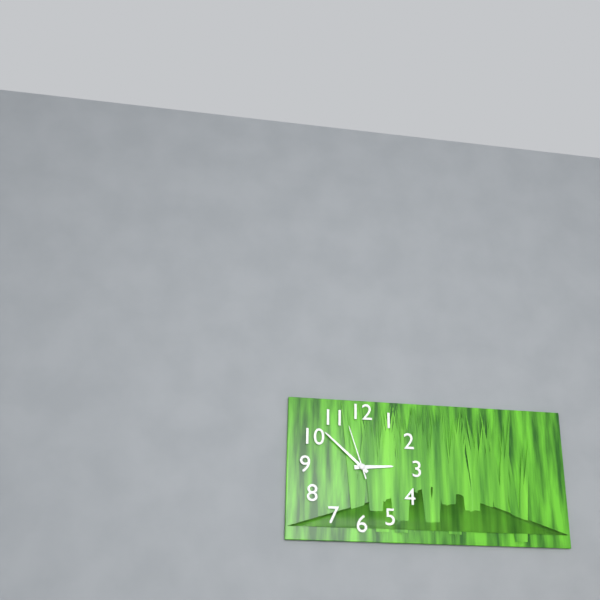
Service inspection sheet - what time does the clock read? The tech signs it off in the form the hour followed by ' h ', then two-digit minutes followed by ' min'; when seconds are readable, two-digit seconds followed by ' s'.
2 h 52 min 57 s
